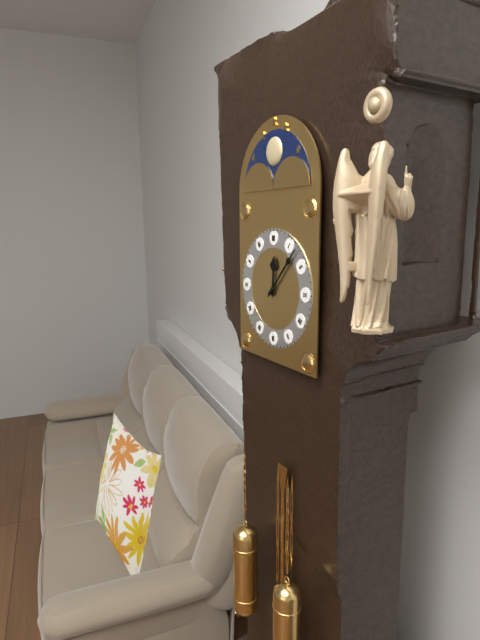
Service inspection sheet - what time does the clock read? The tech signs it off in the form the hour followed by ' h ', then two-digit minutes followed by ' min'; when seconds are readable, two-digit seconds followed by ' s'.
12 h 07 min
